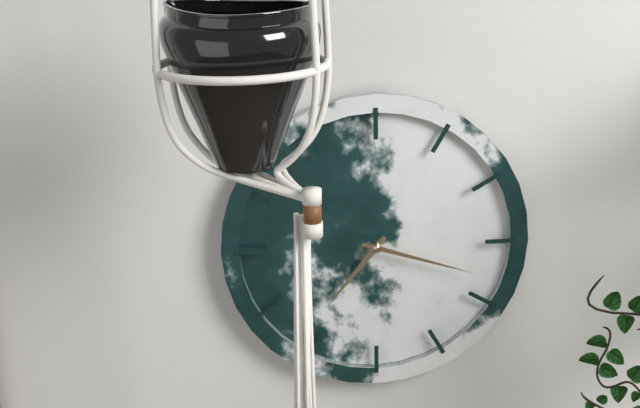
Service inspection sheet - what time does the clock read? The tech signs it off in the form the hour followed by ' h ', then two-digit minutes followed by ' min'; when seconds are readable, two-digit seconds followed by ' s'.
7 h 18 min
